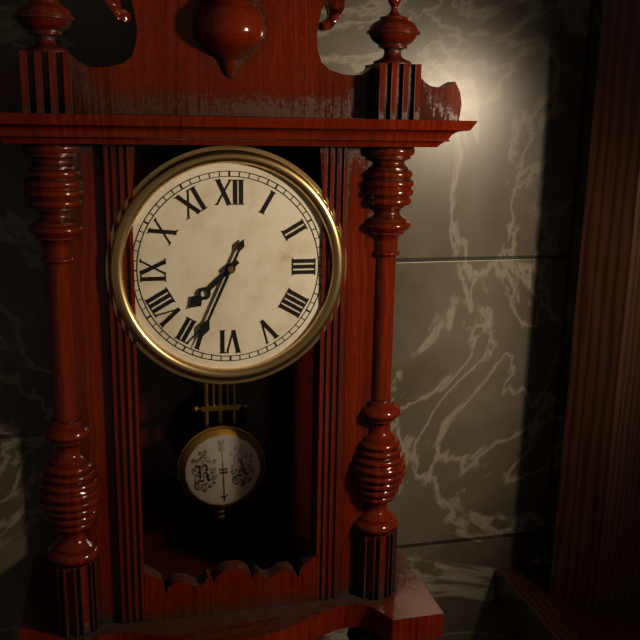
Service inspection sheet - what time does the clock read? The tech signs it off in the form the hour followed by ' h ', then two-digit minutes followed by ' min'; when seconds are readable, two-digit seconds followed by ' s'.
7 h 34 min
